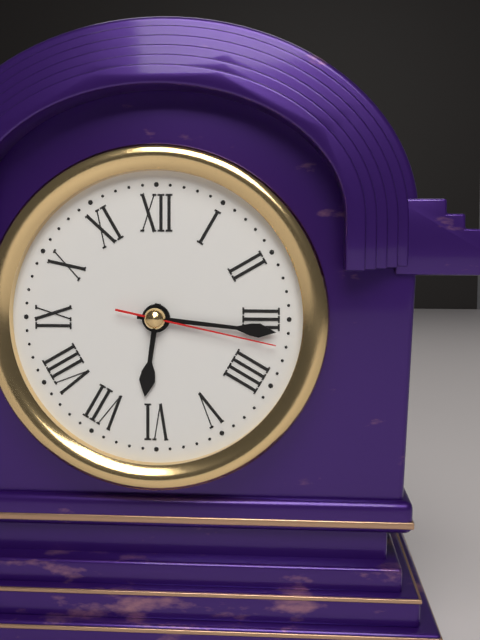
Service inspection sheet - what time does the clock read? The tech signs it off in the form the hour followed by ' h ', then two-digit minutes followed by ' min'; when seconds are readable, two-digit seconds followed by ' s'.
6 h 16 min 17 s
